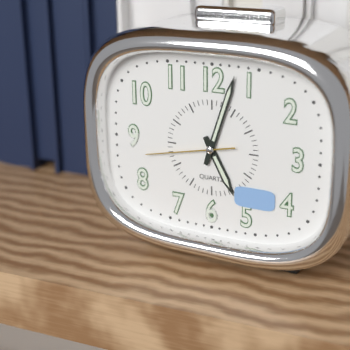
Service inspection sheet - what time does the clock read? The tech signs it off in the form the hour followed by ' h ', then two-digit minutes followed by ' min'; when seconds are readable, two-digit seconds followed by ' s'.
5 h 03 min 43 s
